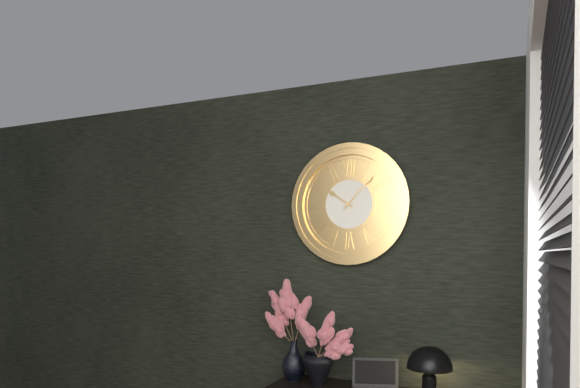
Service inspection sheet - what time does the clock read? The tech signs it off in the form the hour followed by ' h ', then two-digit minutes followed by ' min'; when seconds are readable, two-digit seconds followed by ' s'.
10 h 07 min
